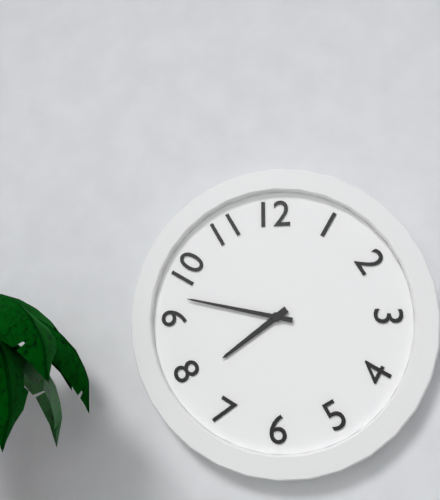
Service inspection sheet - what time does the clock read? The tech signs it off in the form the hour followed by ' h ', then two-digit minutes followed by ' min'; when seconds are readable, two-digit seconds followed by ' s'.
7 h 47 min
